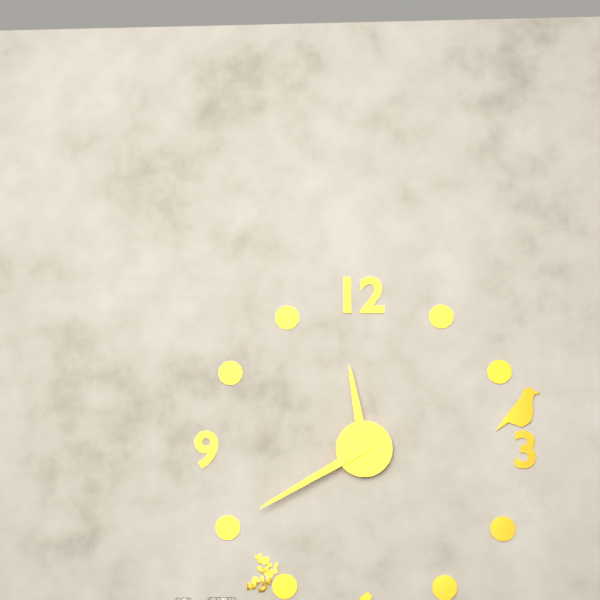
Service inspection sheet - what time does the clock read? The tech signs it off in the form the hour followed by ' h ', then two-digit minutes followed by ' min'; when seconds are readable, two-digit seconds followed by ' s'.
11 h 40 min
